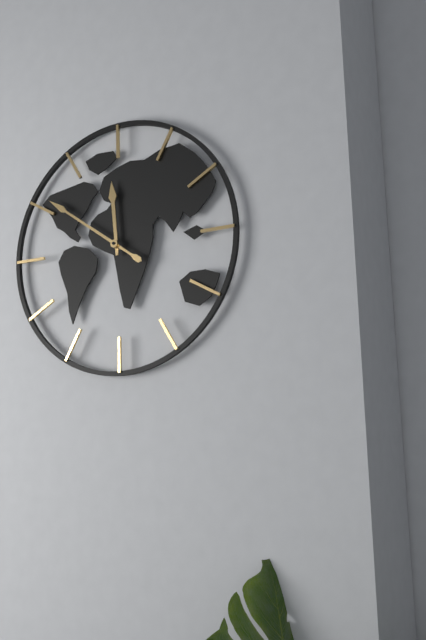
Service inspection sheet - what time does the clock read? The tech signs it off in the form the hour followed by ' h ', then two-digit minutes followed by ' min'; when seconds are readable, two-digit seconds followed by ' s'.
11 h 51 min
